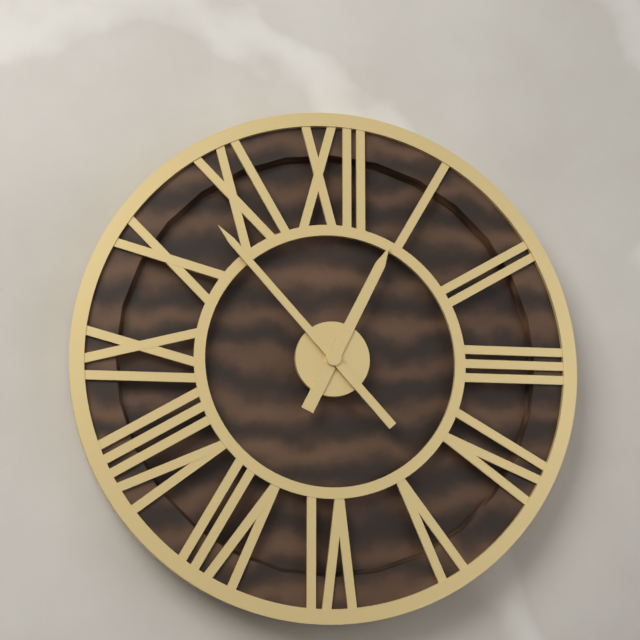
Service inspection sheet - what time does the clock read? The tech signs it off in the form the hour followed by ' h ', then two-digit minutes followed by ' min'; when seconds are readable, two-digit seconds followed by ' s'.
12 h 53 min
